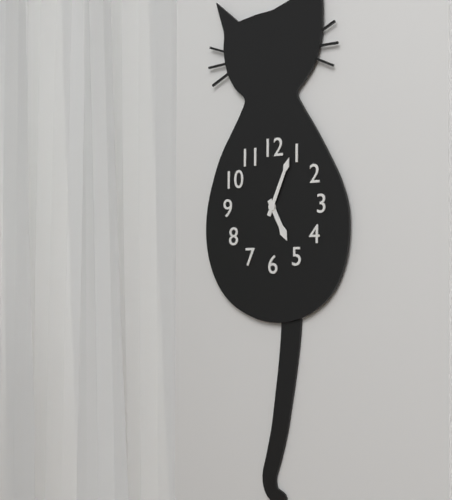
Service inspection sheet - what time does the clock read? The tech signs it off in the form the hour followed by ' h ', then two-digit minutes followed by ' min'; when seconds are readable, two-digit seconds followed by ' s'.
5 h 04 min
